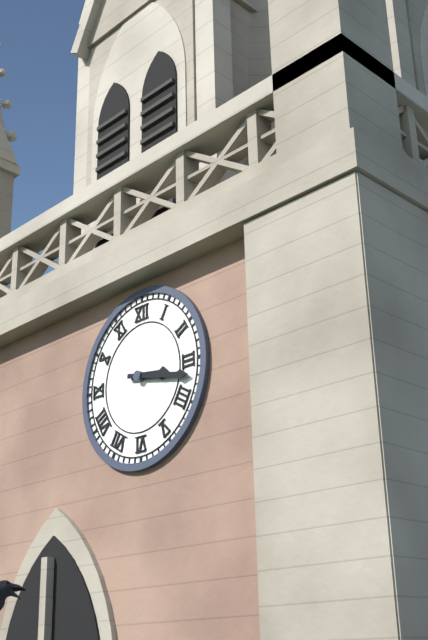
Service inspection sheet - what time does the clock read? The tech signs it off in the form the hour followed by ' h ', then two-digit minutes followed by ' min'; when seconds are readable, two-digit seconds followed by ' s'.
3 h 17 min
